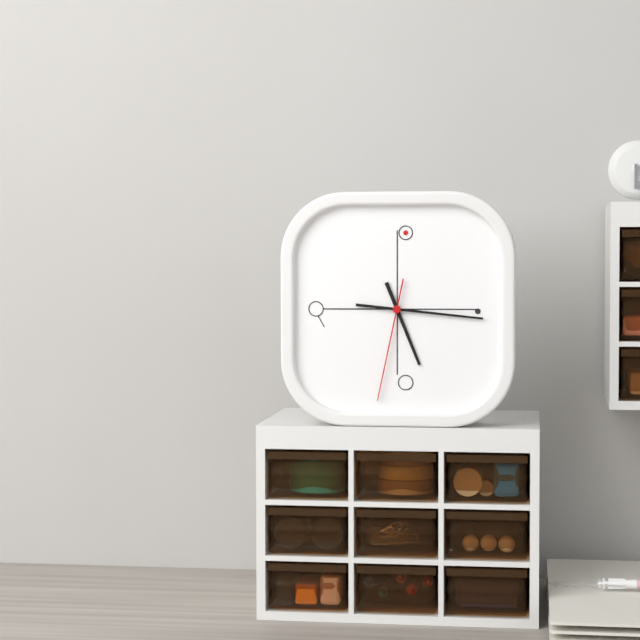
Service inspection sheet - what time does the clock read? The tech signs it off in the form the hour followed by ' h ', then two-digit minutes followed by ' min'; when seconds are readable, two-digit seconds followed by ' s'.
5 h 16 min 32 s
